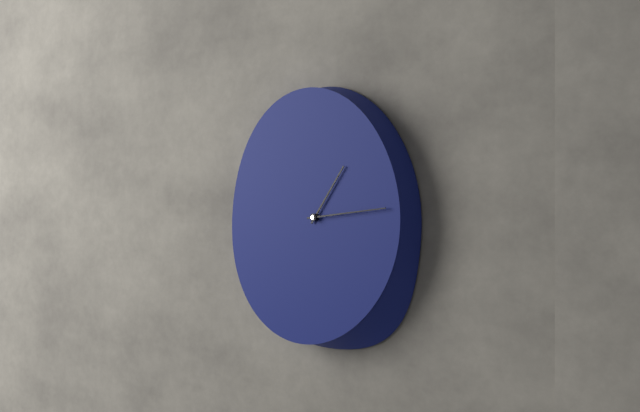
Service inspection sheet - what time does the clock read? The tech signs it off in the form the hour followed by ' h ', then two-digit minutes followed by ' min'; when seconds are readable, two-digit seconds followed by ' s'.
1 h 14 min
